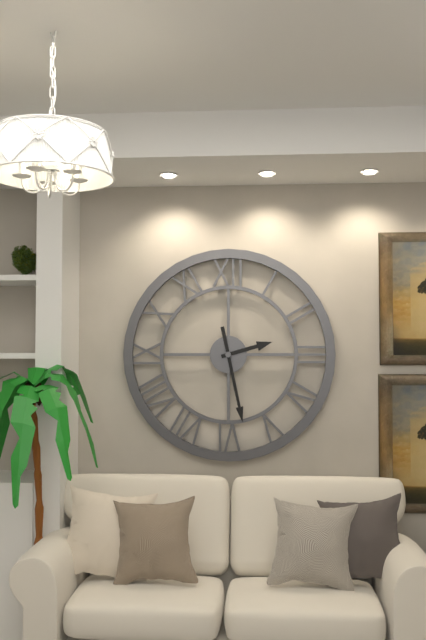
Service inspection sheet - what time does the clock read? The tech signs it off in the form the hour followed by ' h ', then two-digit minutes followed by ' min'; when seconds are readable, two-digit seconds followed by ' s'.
2 h 28 min
